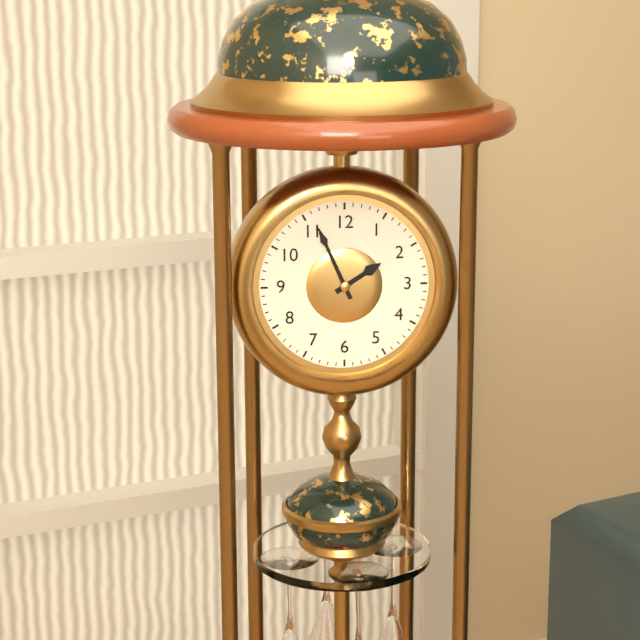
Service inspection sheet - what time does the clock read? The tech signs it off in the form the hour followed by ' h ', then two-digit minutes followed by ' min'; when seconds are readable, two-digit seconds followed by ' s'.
1 h 56 min
